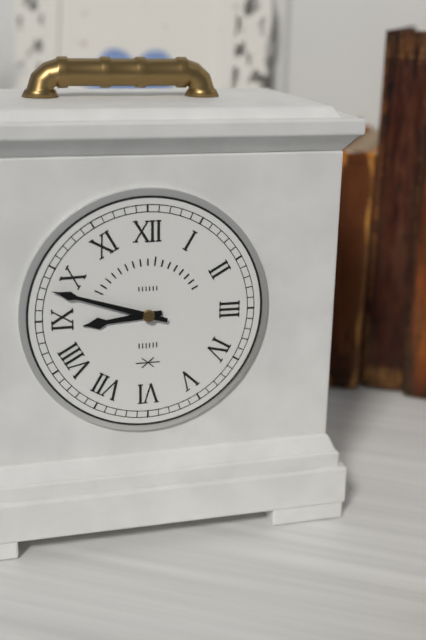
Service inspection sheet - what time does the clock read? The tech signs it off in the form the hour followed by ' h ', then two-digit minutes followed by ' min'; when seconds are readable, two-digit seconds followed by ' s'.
8 h 48 min
